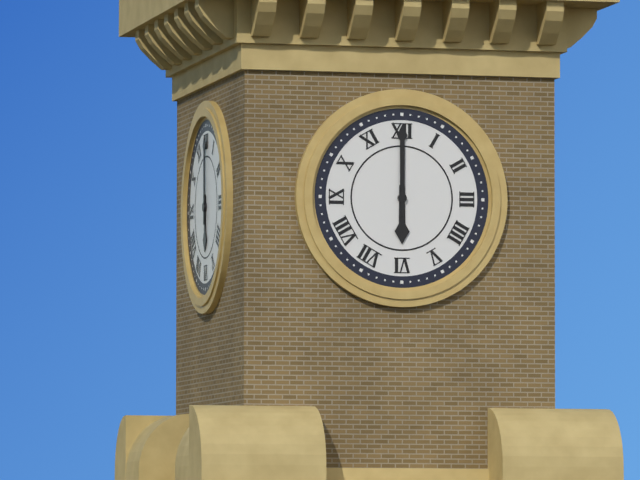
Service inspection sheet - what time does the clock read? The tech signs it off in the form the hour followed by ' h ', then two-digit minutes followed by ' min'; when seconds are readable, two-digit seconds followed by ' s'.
6 h 00 min
